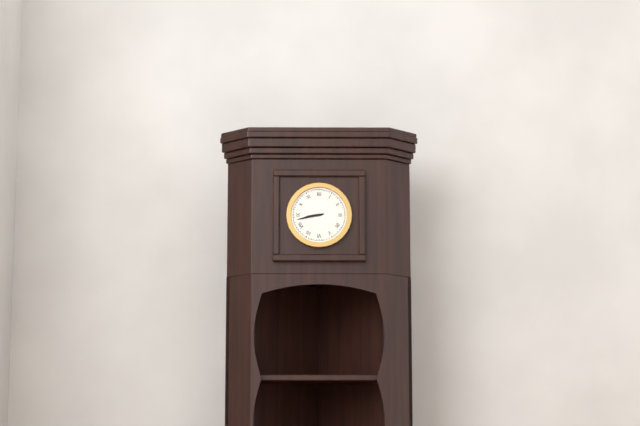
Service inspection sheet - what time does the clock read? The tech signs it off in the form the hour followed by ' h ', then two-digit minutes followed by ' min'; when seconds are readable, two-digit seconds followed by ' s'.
8 h 43 min
